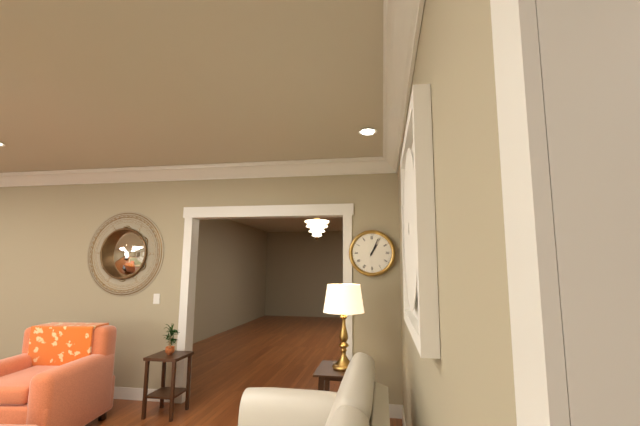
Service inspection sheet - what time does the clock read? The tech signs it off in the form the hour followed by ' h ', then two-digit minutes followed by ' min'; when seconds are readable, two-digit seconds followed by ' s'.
1 h 04 min
